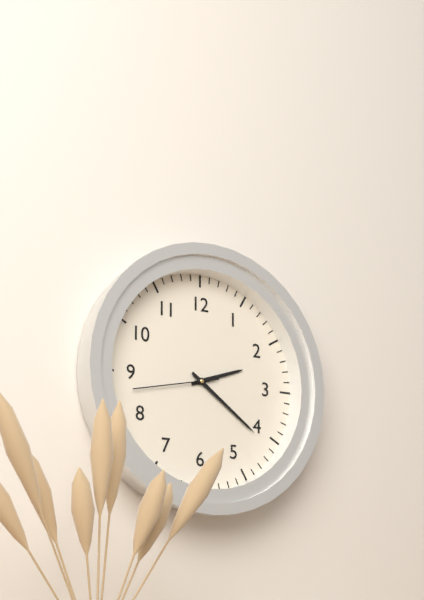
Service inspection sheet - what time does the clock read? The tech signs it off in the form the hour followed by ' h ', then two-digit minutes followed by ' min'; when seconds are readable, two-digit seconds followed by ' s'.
2 h 21 min 43 s
